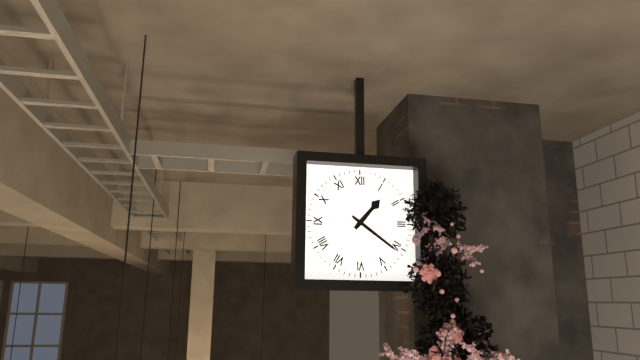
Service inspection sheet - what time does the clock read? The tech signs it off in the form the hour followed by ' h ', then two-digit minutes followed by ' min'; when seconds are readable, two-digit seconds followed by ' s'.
1 h 21 min
